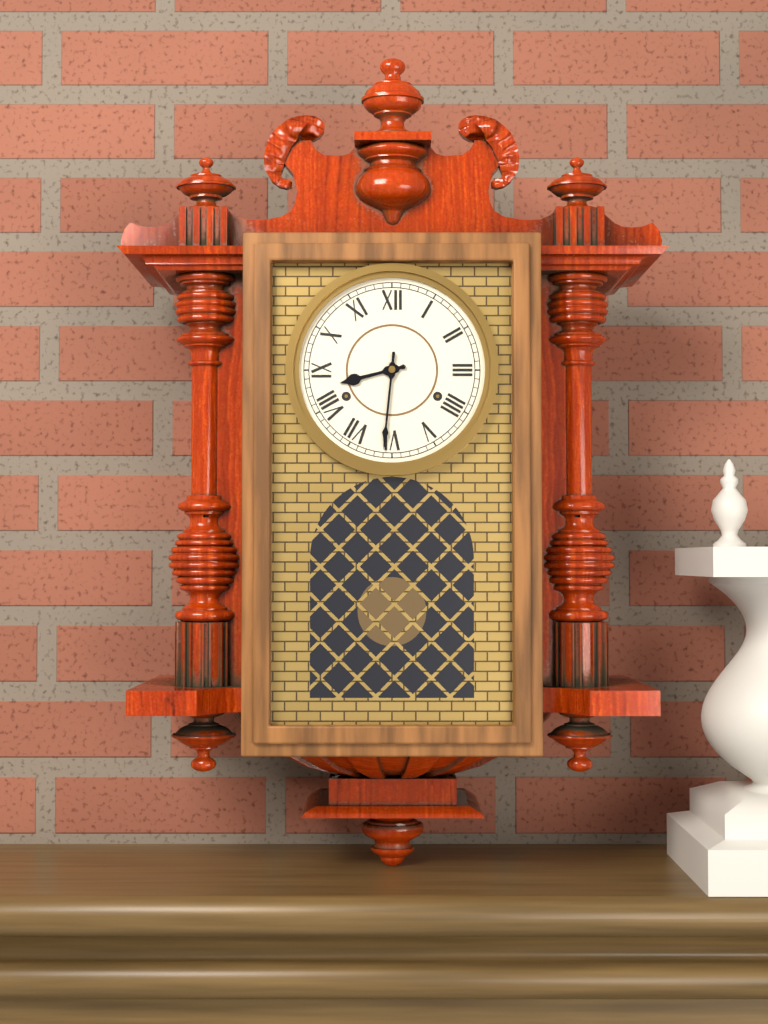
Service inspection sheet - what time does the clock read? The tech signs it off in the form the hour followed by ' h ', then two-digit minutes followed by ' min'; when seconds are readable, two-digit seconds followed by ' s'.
8 h 31 min
